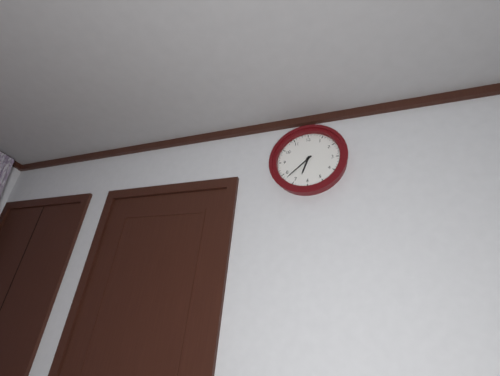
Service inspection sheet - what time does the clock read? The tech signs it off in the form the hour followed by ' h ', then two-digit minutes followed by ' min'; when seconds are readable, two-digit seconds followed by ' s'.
6 h 38 min
